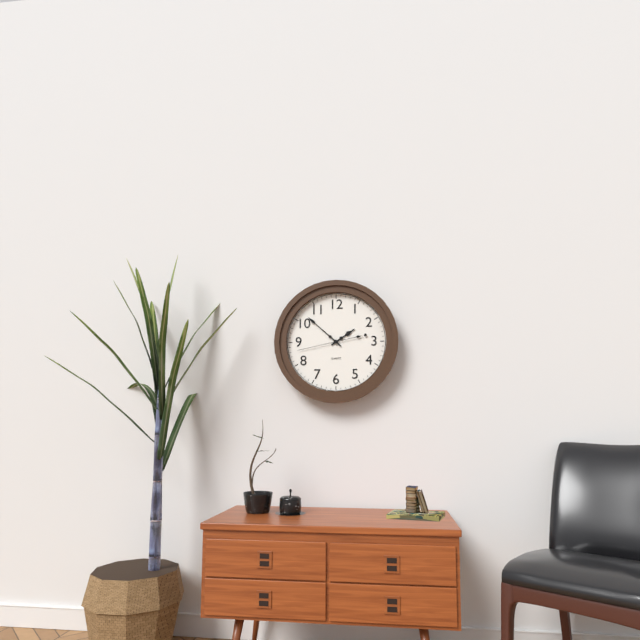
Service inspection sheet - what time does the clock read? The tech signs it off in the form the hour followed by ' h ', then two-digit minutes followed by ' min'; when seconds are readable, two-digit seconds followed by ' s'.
1 h 52 min
